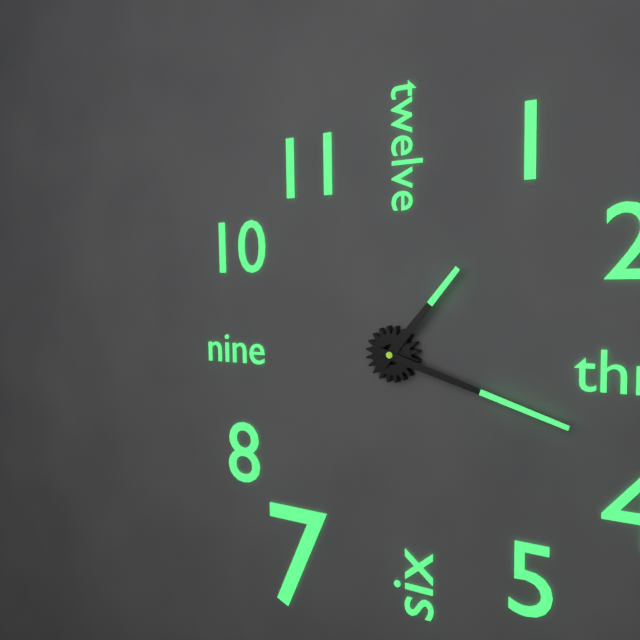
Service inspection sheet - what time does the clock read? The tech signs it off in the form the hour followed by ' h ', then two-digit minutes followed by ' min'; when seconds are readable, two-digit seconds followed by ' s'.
1 h 18 min
